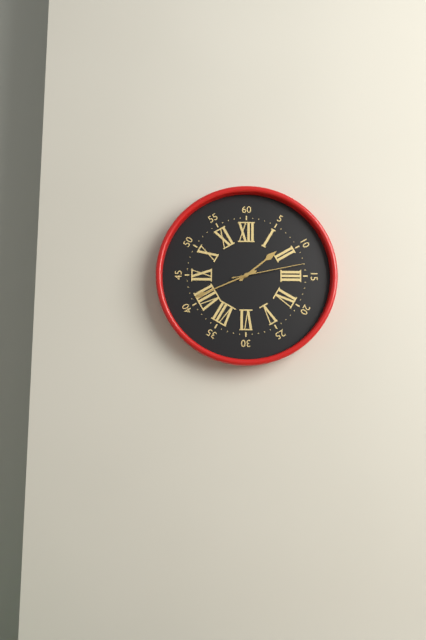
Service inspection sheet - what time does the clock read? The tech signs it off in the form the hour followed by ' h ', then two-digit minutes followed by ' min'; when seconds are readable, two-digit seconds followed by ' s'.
1 h 41 min 13 s
